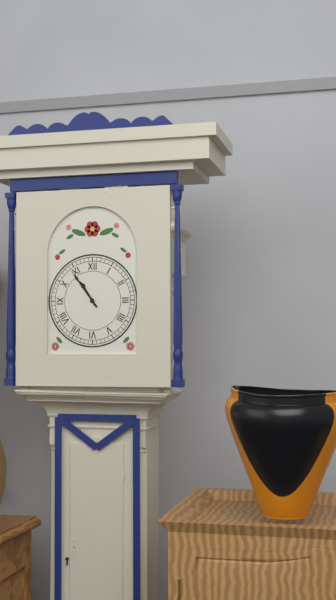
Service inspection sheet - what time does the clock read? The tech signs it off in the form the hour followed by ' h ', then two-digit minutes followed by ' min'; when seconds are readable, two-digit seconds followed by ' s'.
10 h 54 min
